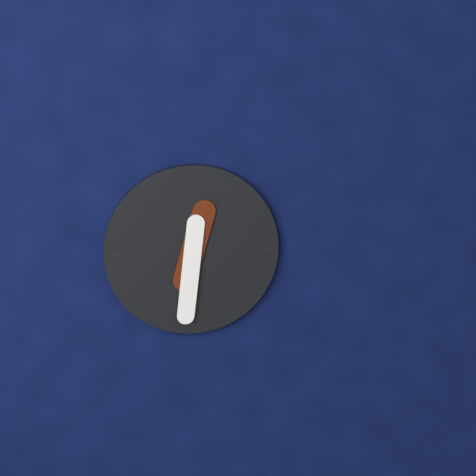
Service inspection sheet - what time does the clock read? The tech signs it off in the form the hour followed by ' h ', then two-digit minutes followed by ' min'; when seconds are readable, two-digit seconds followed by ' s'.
12 h 31 min
